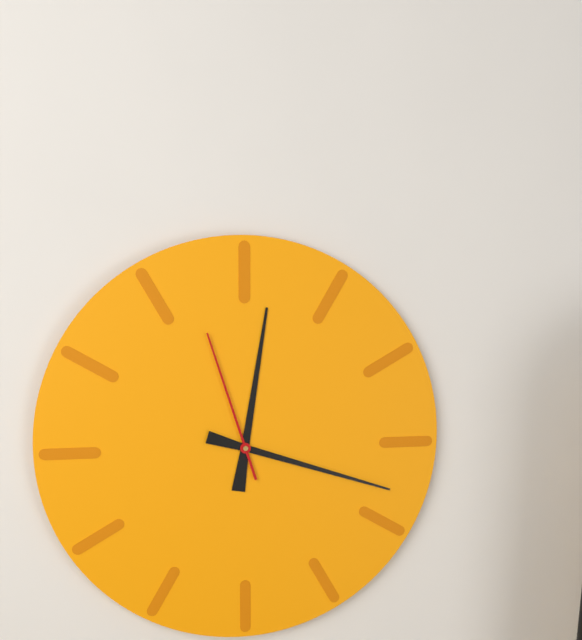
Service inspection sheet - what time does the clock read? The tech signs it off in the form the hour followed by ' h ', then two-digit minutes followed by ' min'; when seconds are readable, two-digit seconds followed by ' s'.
12 h 18 min 57 s
